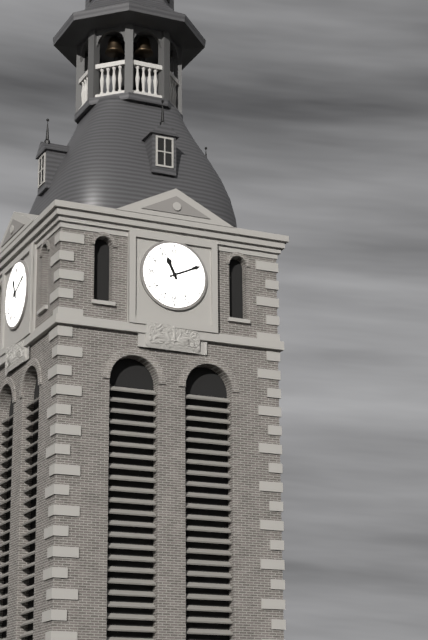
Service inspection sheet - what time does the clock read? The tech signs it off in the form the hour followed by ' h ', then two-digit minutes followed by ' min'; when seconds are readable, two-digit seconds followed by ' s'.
11 h 11 min
